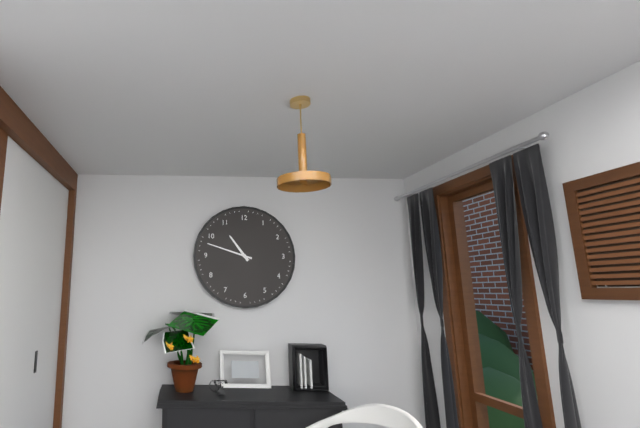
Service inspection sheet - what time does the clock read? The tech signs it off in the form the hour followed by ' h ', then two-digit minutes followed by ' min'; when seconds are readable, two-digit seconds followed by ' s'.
10 h 48 min
